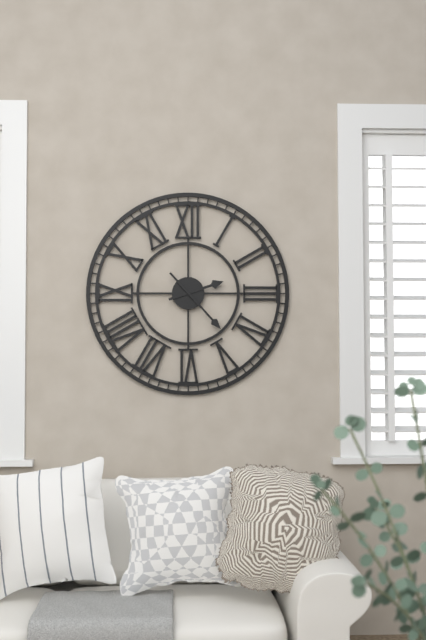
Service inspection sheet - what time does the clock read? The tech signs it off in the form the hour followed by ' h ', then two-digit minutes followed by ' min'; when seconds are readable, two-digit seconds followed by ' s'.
2 h 23 min
